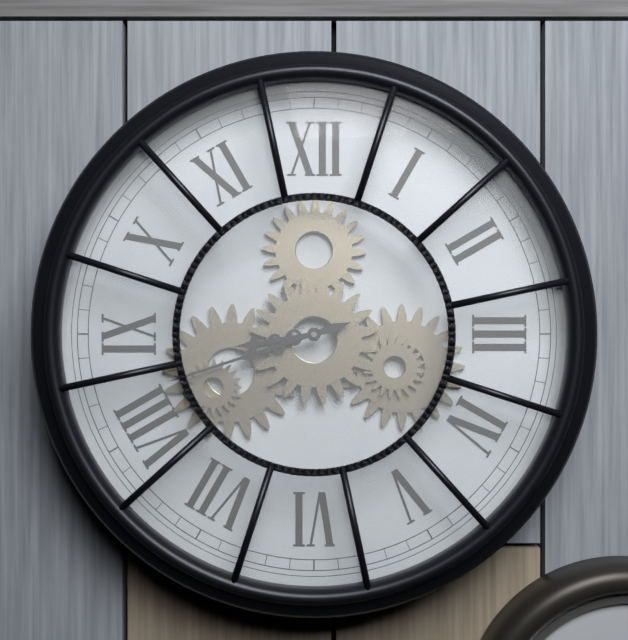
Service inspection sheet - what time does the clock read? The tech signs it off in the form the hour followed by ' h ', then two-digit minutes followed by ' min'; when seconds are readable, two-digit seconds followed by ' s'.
8 h 42 min
